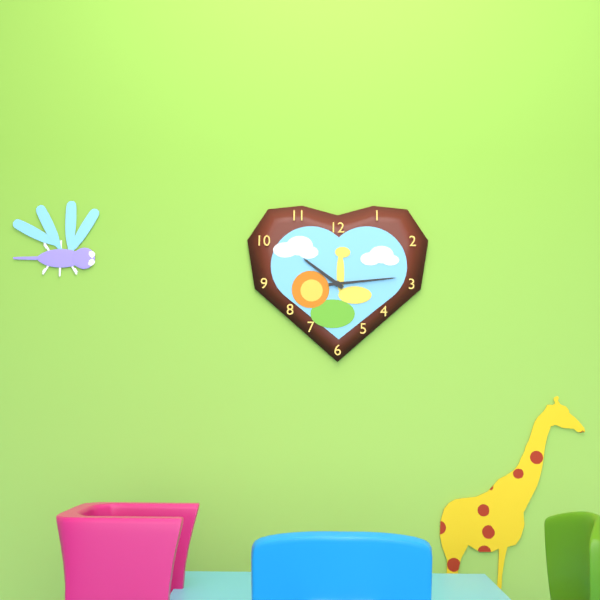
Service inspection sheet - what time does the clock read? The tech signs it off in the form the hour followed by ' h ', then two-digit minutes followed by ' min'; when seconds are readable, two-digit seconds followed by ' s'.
10 h 14 min
